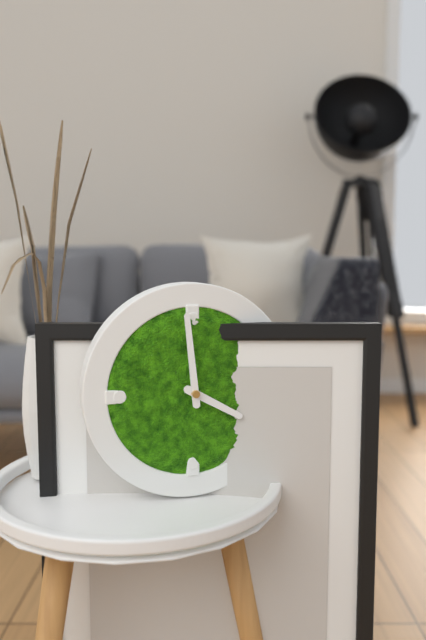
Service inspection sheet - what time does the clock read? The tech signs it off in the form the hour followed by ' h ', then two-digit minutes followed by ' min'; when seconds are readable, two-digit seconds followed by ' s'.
3 h 59 min
